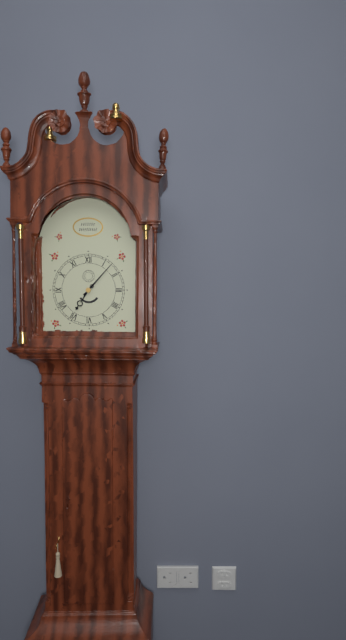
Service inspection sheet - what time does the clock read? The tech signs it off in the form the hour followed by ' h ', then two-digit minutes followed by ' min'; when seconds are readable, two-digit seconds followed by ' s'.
7 h 07 min
